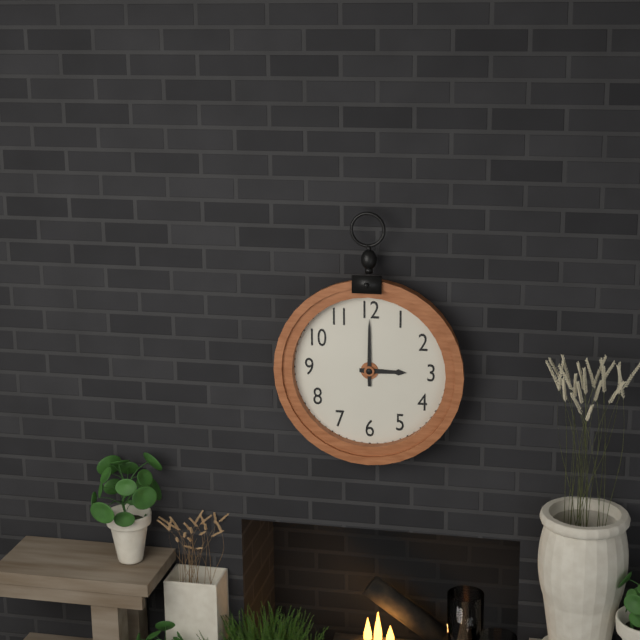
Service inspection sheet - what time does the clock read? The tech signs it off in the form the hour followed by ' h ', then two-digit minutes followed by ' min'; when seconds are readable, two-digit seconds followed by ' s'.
3 h 00 min
